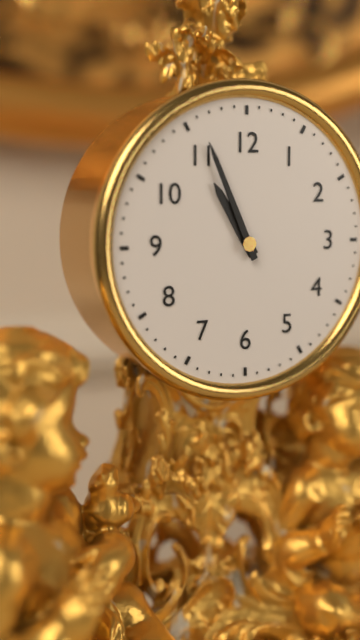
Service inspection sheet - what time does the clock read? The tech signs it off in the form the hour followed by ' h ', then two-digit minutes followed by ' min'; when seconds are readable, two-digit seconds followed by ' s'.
10 h 56 min
